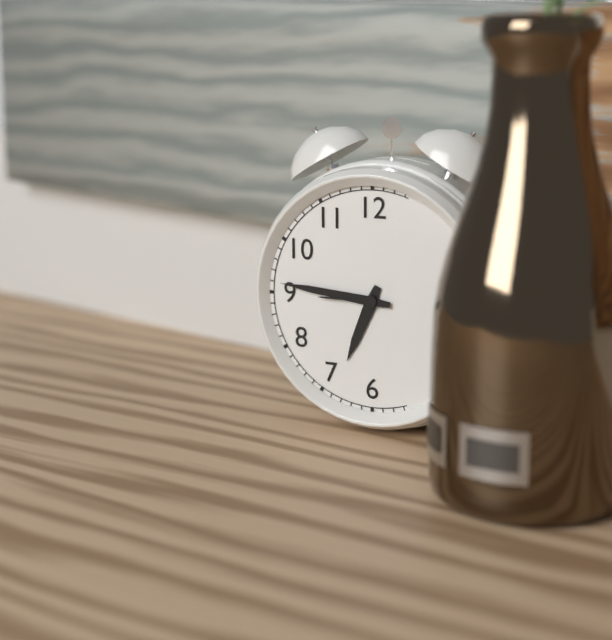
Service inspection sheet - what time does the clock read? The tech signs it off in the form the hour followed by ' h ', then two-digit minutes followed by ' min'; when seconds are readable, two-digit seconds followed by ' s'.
6 h 46 min
